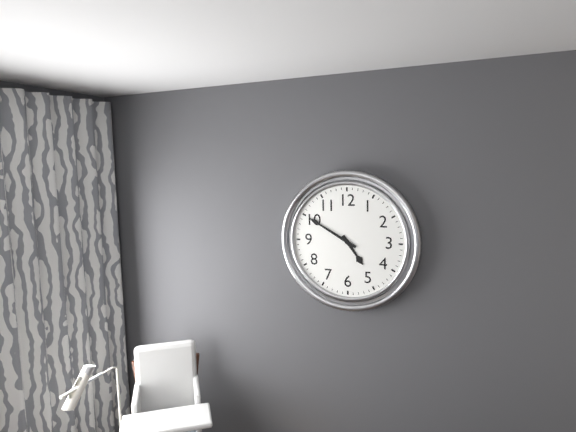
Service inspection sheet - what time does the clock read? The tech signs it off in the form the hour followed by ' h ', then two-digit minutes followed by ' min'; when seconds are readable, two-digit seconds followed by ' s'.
4 h 50 min
